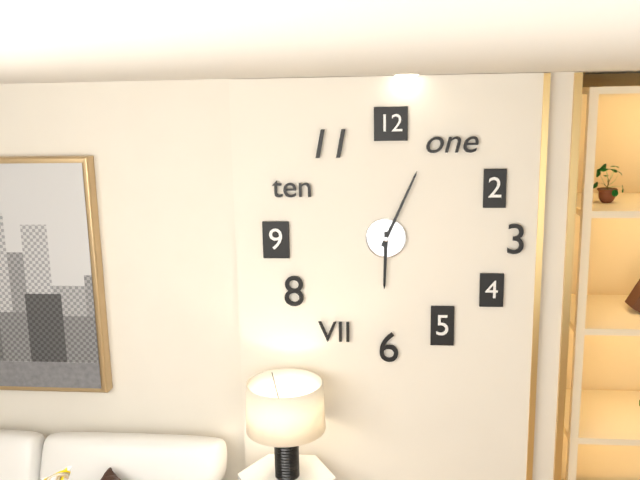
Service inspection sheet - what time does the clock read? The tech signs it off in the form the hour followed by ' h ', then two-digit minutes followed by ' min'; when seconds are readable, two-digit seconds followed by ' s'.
6 h 04 min
